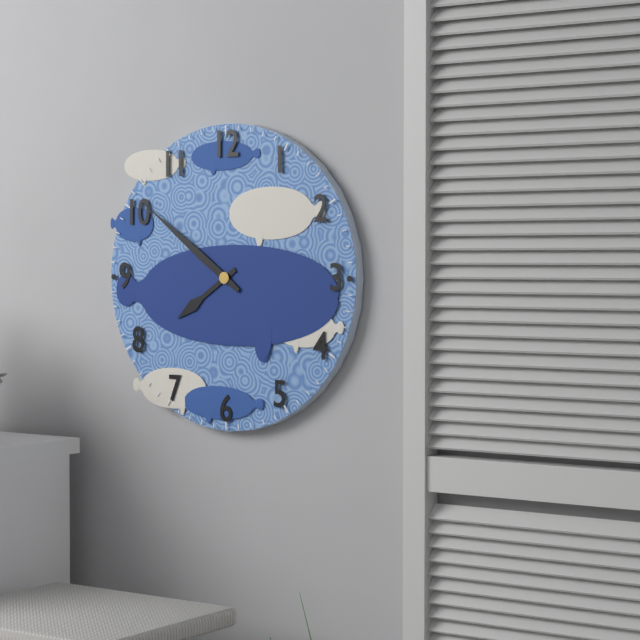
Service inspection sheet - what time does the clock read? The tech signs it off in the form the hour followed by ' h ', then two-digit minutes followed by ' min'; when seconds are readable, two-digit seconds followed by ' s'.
7 h 51 min
